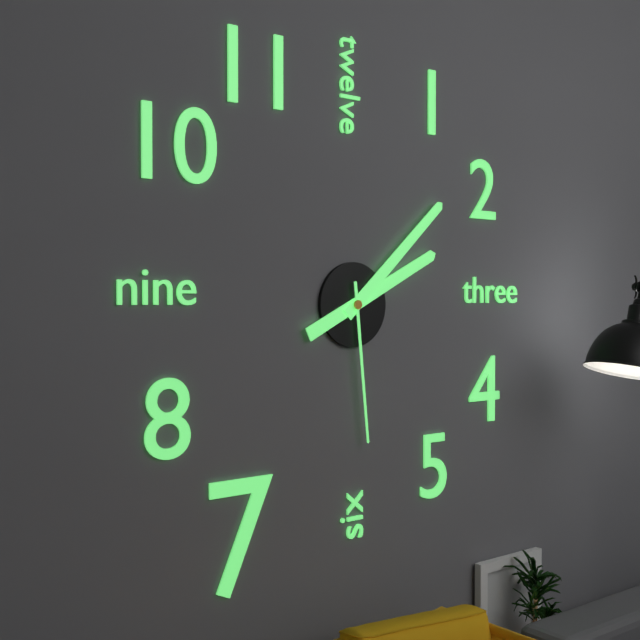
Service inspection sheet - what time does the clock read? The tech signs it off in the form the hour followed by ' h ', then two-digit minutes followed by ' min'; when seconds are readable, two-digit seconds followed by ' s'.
2 h 08 min 29 s
